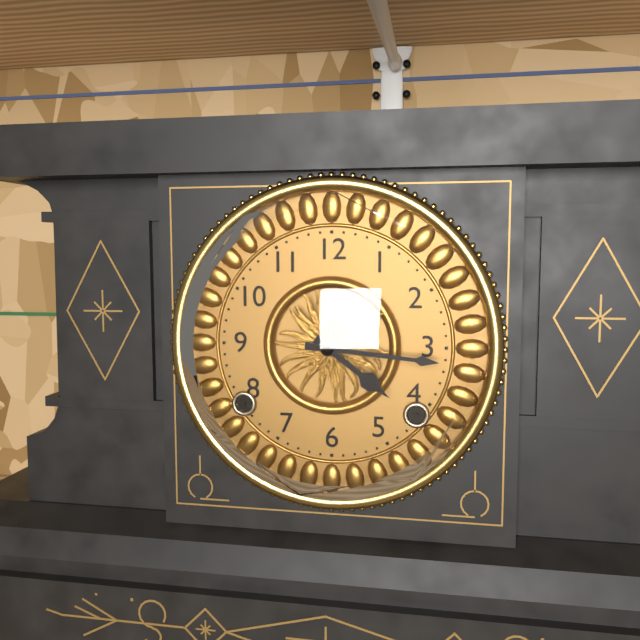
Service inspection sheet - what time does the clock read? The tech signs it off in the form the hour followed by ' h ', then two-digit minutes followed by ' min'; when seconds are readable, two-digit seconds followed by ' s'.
4 h 16 min
